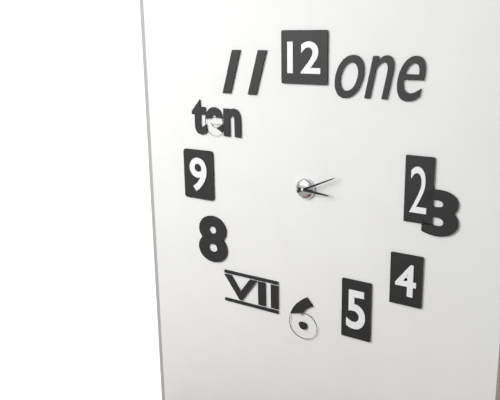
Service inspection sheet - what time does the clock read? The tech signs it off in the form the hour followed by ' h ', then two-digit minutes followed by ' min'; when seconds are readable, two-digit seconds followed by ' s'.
3 h 11 min
